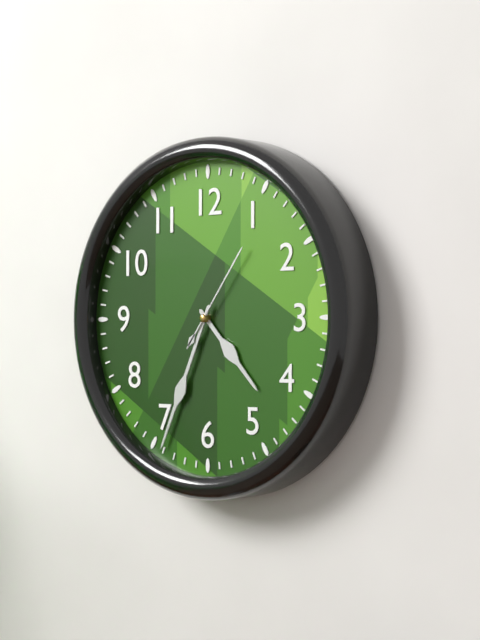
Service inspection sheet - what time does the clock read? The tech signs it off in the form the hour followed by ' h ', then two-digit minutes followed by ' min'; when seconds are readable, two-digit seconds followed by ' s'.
4 h 34 min 06 s
